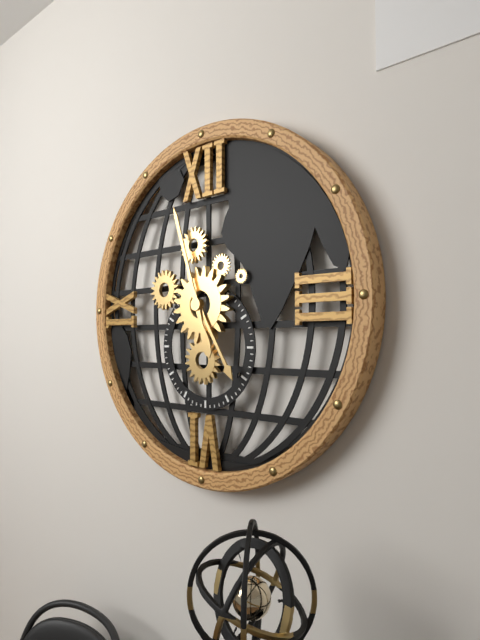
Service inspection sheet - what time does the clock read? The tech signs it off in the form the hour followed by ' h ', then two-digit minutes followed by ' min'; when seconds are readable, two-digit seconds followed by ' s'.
4 h 57 min
